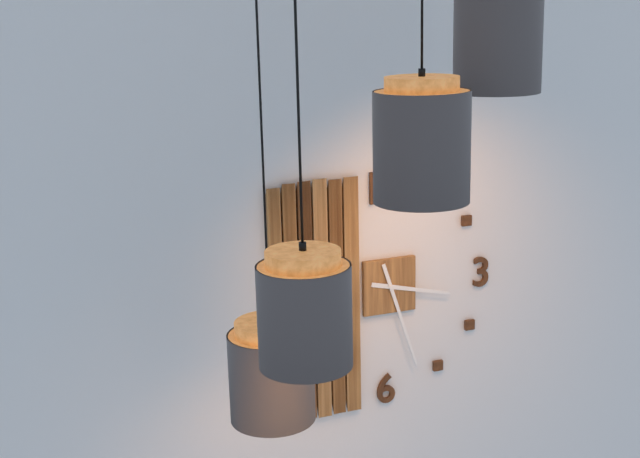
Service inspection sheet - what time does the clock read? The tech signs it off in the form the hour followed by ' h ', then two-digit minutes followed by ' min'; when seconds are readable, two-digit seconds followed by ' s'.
3 h 27 min
